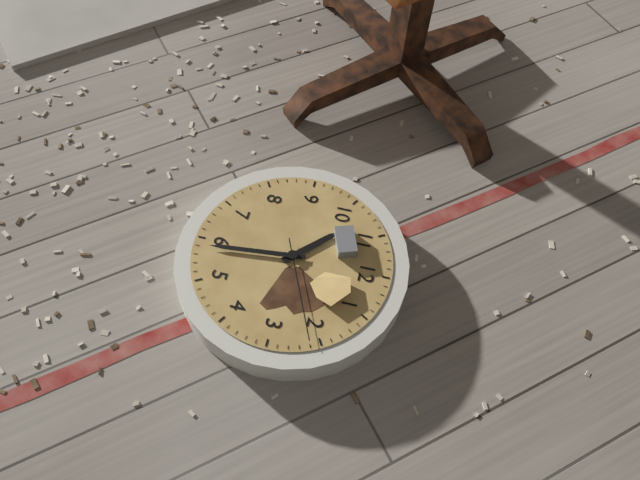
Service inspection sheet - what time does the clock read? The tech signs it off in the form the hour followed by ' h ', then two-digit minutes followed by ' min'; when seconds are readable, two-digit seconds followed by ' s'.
10 h 29 min 11 s
